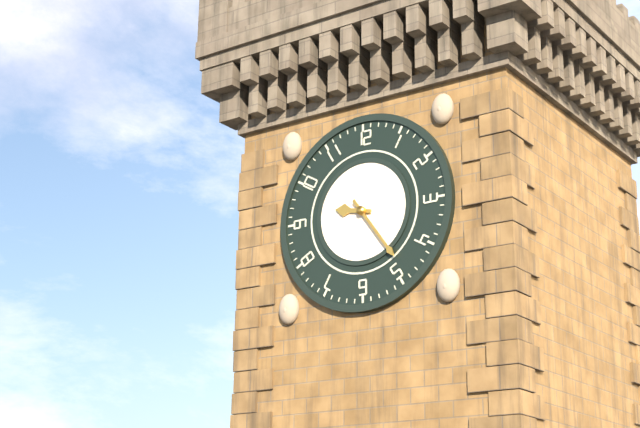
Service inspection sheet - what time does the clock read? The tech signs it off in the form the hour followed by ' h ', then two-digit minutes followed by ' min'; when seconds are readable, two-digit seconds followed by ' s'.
9 h 24 min
